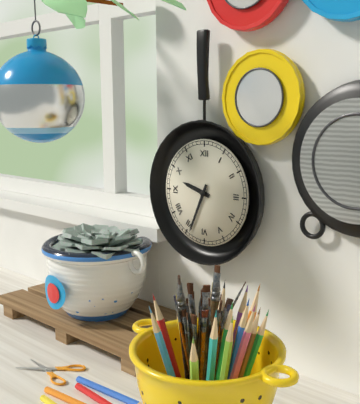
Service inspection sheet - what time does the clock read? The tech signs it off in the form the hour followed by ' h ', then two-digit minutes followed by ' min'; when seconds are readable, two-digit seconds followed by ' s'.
9 h 34 min
